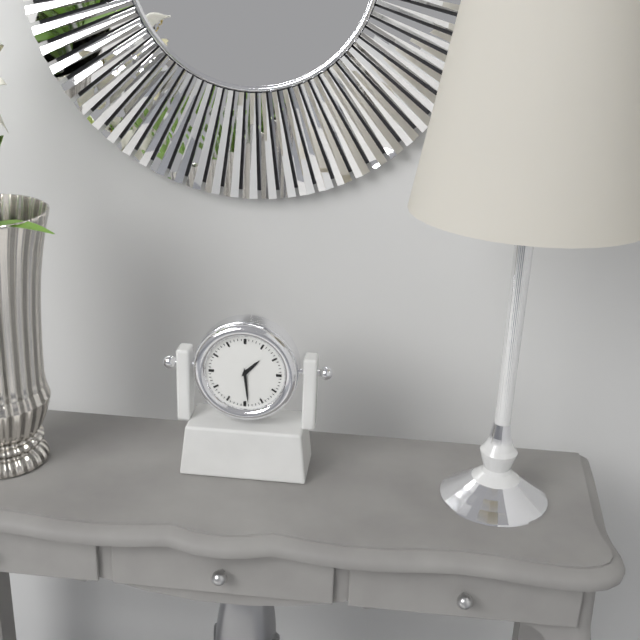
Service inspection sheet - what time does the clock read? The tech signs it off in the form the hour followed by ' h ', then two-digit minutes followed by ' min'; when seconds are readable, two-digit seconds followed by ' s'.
1 h 29 min
